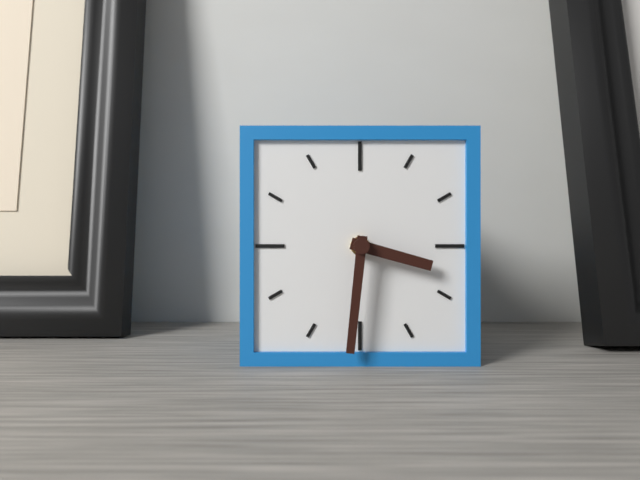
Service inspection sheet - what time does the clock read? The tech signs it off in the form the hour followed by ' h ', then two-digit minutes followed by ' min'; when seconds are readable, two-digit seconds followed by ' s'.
3 h 31 min
